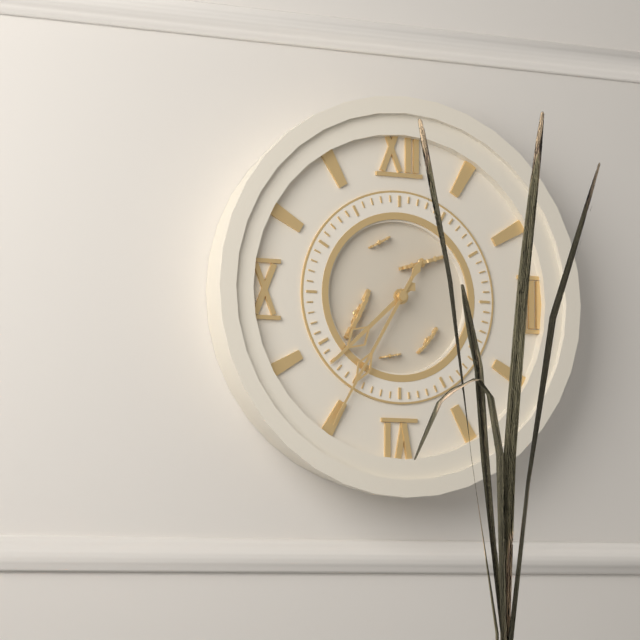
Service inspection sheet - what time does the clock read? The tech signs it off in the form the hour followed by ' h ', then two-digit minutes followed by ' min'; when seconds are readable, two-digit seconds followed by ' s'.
7 h 35 min
